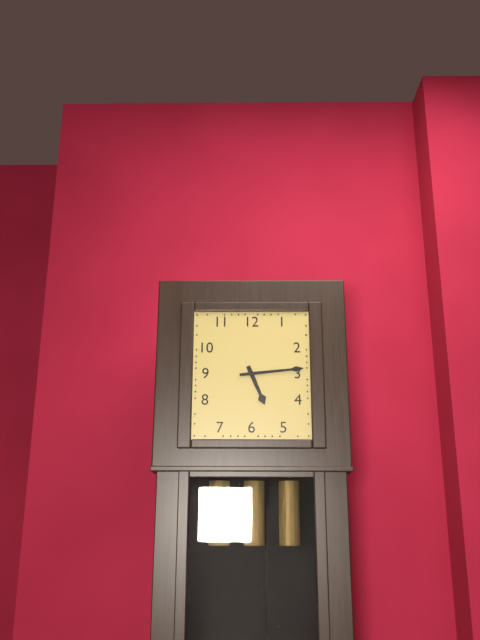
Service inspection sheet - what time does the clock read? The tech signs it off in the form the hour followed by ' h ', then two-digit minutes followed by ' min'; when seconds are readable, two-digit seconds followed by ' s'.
5 h 14 min
